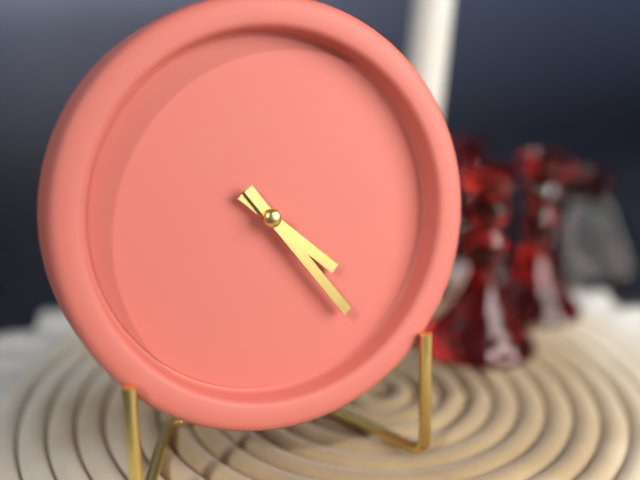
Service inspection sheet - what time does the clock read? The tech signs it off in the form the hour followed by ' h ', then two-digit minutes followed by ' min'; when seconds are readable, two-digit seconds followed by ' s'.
4 h 24 min
